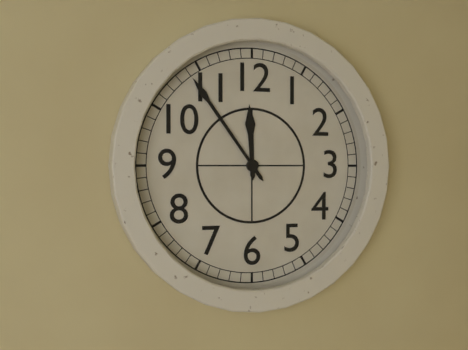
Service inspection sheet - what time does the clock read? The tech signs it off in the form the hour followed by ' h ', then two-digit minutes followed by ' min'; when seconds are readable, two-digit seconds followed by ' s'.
11 h 54 min
